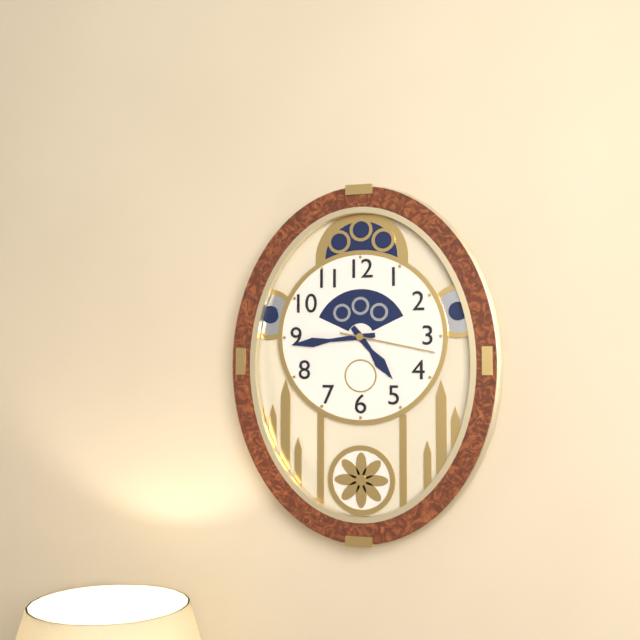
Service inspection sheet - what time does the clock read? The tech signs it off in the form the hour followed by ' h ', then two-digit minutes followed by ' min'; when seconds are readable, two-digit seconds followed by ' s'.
4 h 44 min 17 s
